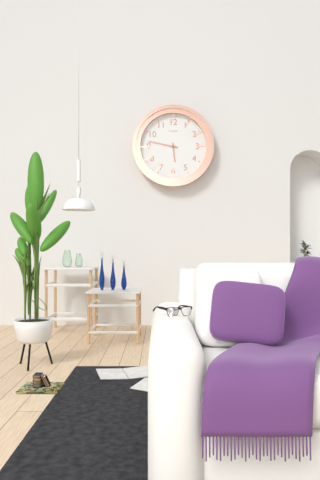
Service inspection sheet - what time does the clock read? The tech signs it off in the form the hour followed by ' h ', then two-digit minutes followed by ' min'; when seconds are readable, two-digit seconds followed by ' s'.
5 h 47 min
